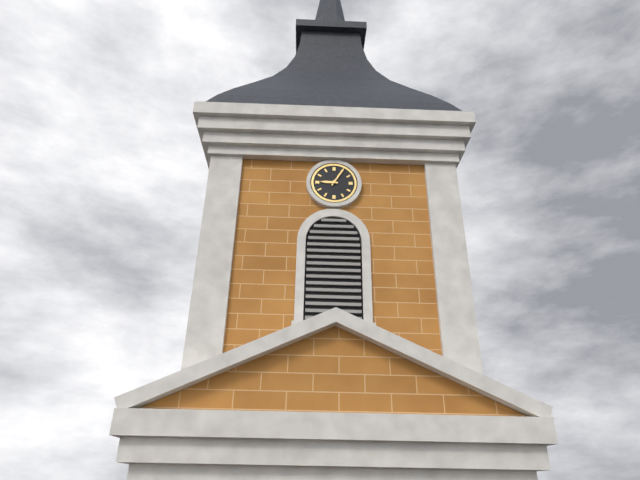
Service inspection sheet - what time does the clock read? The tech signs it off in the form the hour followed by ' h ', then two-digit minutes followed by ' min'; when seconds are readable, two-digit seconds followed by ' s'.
9 h 05 min
